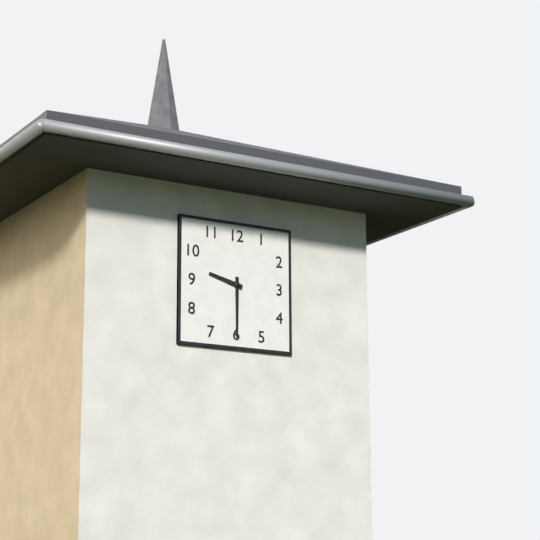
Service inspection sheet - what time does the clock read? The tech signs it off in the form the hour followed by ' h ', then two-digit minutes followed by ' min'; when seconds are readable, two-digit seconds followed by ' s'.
9 h 30 min
